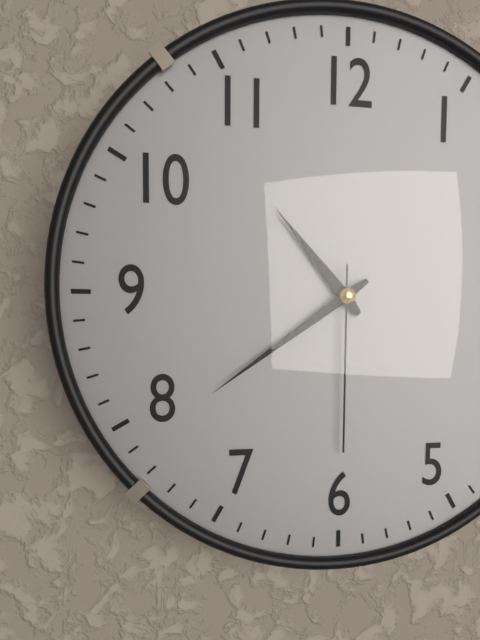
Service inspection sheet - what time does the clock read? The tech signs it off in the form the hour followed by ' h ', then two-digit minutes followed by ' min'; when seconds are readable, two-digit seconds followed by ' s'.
10 h 39 min 30 s
